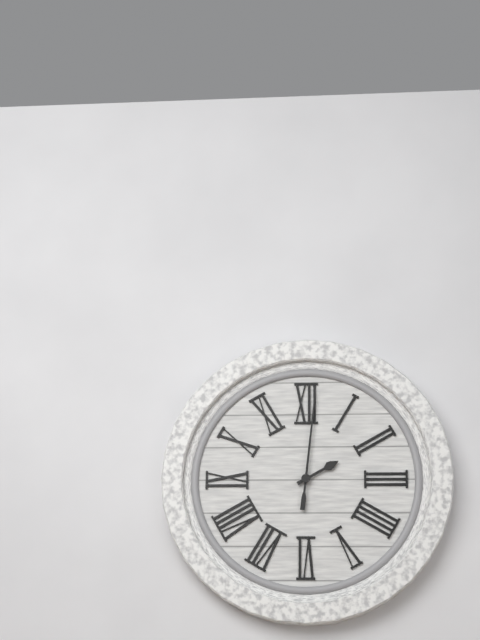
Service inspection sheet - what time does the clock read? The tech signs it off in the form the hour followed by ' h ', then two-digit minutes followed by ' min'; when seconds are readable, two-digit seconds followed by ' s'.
2 h 01 min
